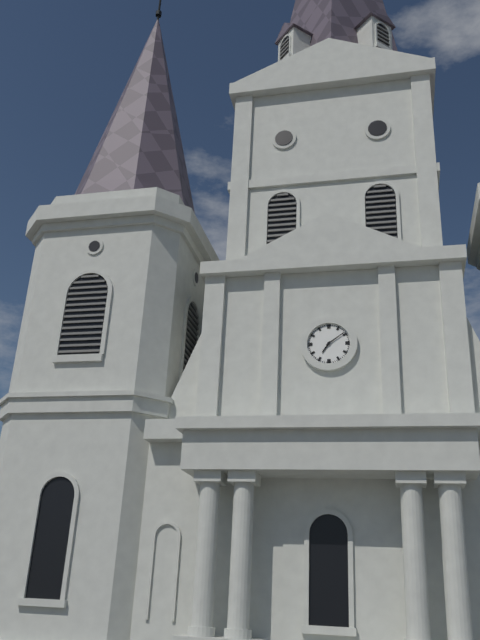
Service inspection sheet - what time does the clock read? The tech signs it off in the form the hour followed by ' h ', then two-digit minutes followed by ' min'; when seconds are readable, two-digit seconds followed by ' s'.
7 h 09 min
